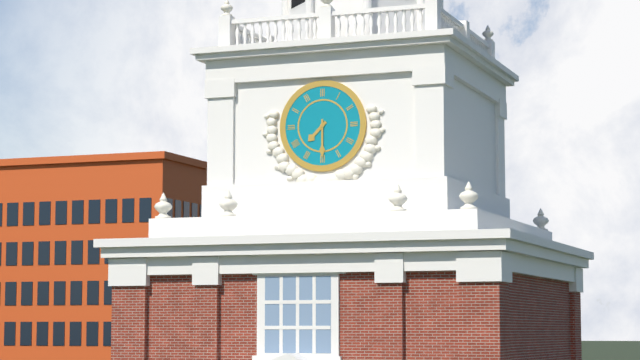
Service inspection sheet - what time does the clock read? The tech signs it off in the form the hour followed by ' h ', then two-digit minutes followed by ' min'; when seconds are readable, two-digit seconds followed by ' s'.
7 h 30 min
